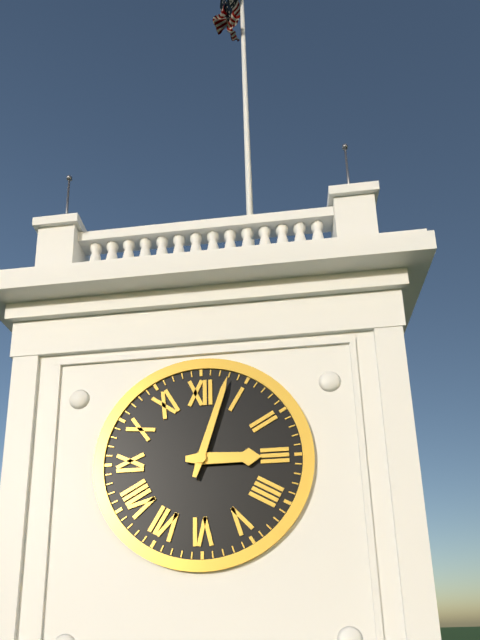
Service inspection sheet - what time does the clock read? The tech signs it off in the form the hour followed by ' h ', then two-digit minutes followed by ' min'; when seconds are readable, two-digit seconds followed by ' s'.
3 h 03 min
